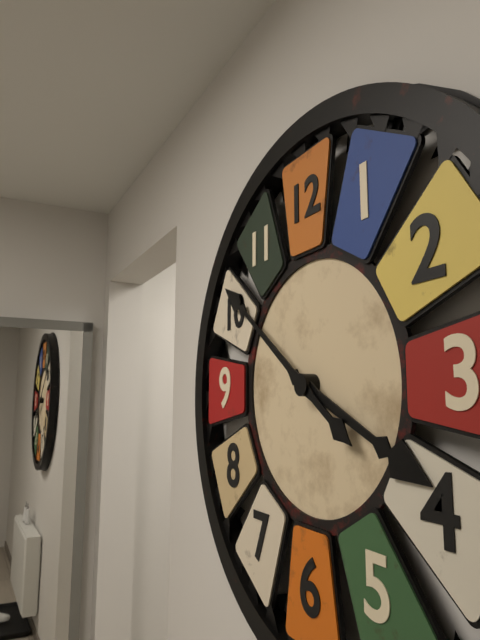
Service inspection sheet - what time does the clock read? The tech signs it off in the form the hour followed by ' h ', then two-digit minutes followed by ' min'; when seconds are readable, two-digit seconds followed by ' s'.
3 h 51 min
